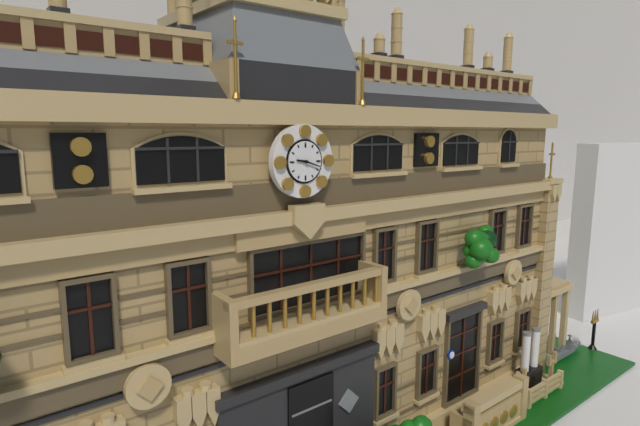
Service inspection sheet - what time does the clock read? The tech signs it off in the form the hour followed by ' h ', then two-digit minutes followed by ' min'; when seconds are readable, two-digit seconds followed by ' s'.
9 h 18 min
